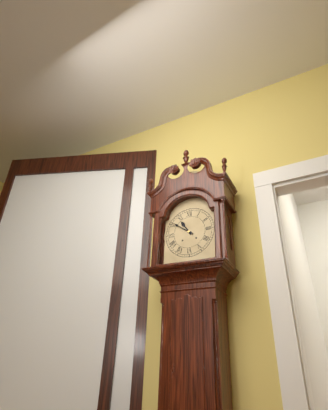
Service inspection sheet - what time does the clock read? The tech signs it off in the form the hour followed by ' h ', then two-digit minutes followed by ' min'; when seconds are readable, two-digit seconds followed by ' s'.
10 h 51 min
